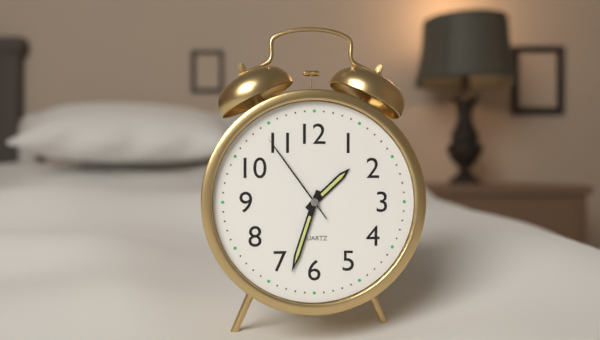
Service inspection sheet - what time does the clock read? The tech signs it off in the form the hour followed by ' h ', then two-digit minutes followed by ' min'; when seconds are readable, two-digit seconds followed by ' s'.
1 h 33 min 54 s
